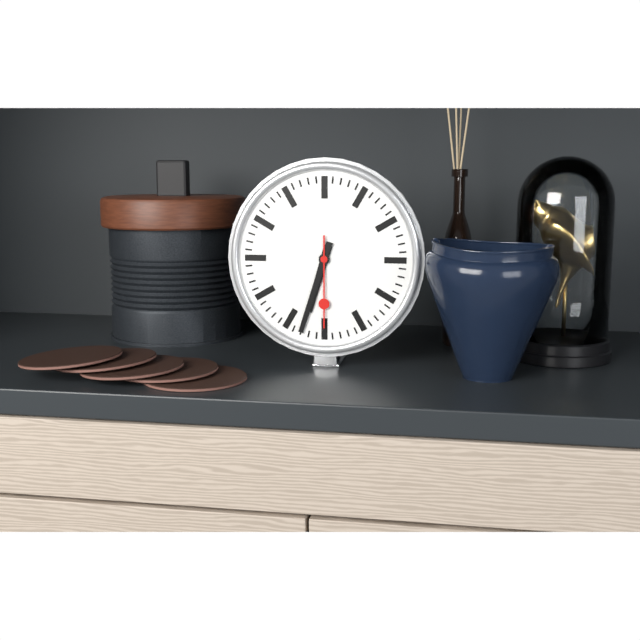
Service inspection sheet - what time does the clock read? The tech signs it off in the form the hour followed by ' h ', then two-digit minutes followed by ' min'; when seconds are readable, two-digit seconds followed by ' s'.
6 h 33 min 30 s
